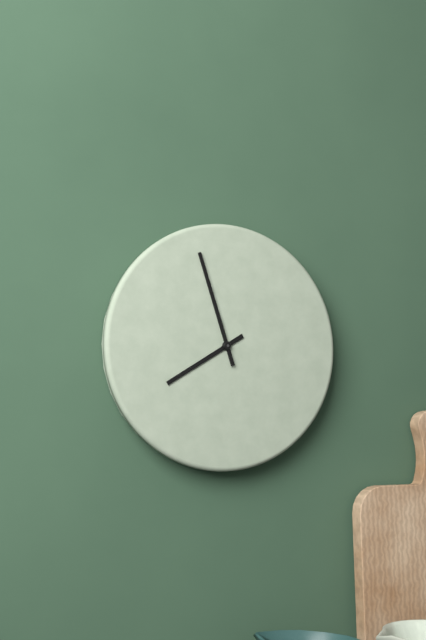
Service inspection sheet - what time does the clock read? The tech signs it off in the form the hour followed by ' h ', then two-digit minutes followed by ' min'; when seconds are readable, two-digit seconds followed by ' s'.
7 h 57 min
